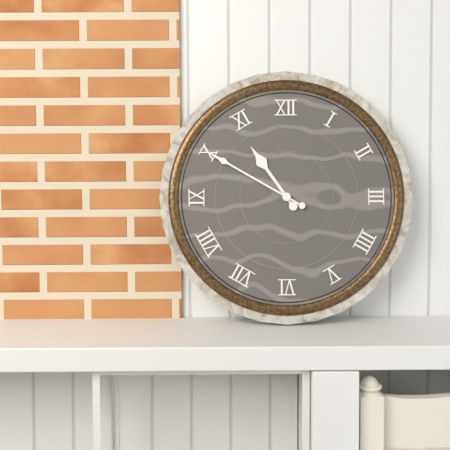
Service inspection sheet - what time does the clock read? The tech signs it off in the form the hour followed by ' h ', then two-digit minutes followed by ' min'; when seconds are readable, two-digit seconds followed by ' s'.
10 h 50 min
